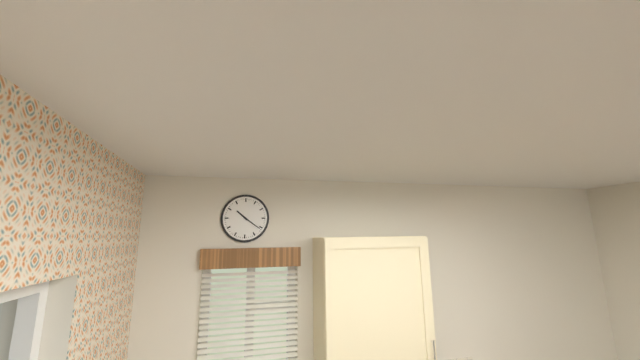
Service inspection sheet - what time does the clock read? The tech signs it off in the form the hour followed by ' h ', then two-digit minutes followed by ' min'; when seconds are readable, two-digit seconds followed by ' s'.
10 h 21 min
